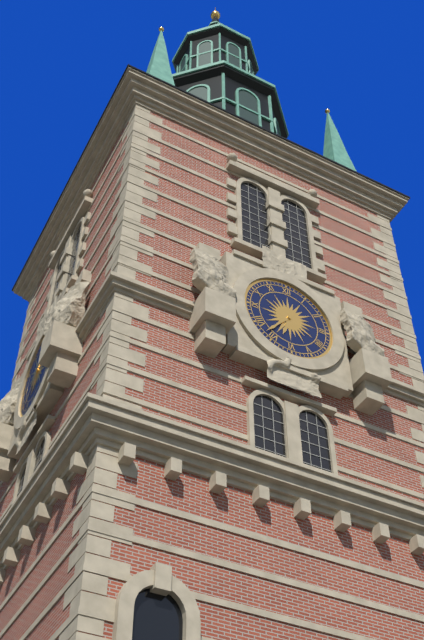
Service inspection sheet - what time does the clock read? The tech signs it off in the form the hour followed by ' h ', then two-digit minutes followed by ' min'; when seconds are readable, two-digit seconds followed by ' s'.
6 h 37 min
